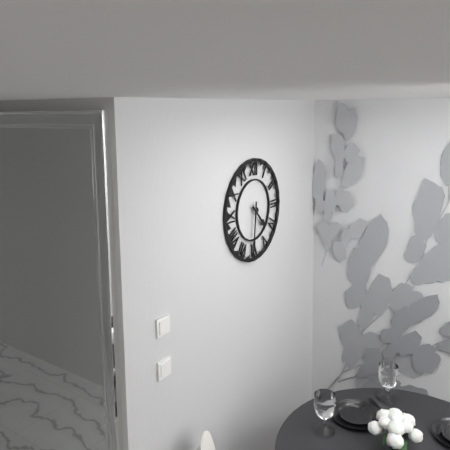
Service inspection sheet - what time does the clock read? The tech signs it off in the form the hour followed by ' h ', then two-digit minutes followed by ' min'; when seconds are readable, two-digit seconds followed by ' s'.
4 h 31 min
